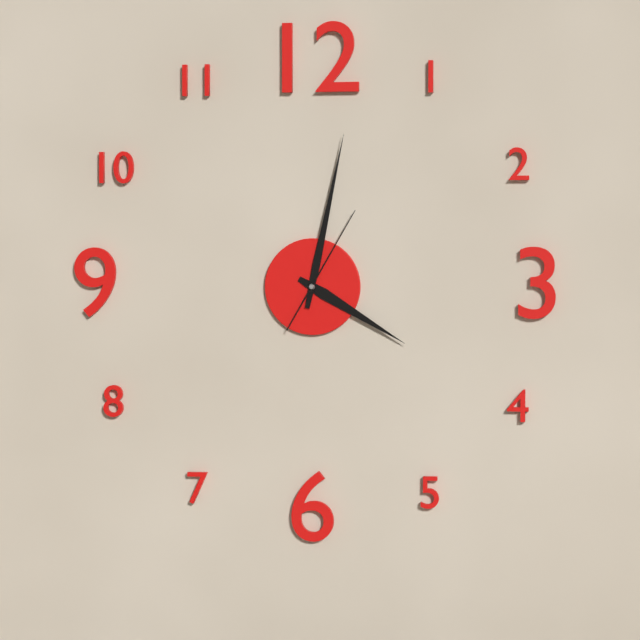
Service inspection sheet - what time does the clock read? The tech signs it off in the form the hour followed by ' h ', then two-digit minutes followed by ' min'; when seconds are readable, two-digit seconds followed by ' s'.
4 h 02 min 05 s
